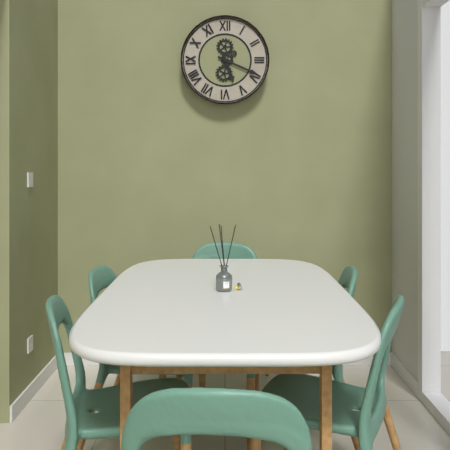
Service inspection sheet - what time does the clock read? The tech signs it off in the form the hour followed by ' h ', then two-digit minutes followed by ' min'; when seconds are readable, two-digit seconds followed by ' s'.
5 h 19 min
